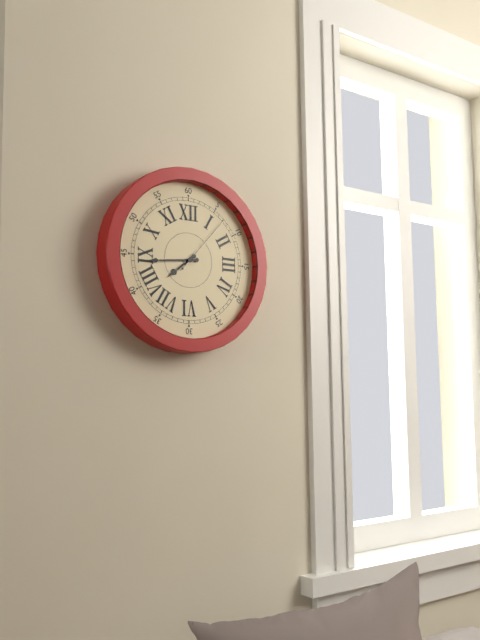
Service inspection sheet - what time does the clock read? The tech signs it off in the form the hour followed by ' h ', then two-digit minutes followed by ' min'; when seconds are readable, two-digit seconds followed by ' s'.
7 h 44 min 07 s
